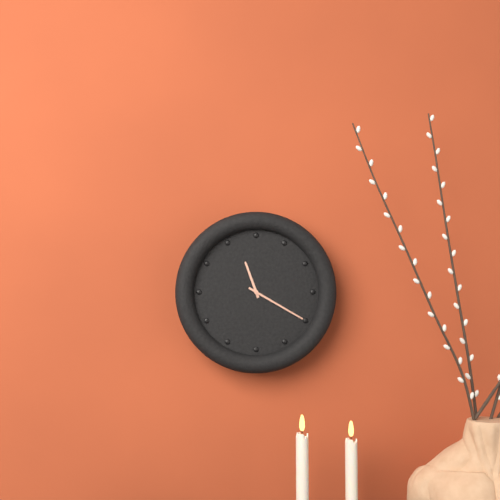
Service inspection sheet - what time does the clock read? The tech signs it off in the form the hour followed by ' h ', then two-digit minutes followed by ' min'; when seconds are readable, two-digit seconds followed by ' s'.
11 h 20 min
